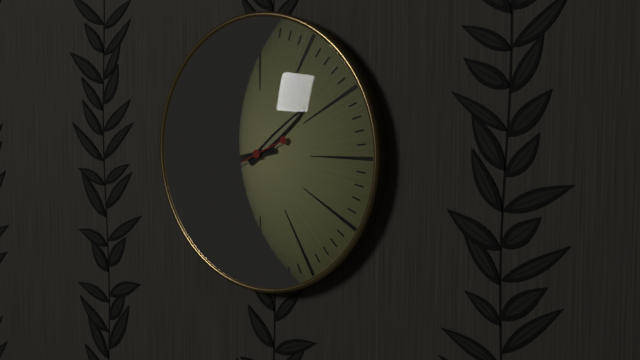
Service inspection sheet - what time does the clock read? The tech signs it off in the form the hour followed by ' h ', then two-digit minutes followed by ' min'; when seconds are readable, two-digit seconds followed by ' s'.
1 h 43 min 41 s
